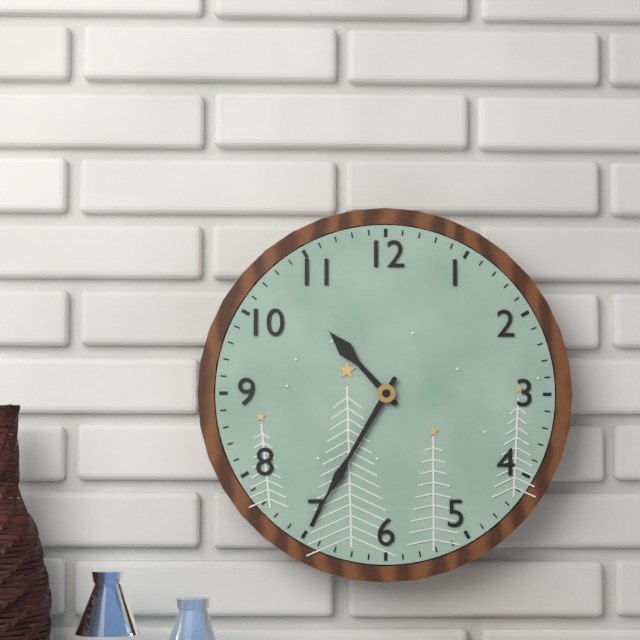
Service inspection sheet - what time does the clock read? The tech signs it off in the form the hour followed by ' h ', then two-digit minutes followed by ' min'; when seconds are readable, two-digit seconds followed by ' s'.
10 h 35 min
